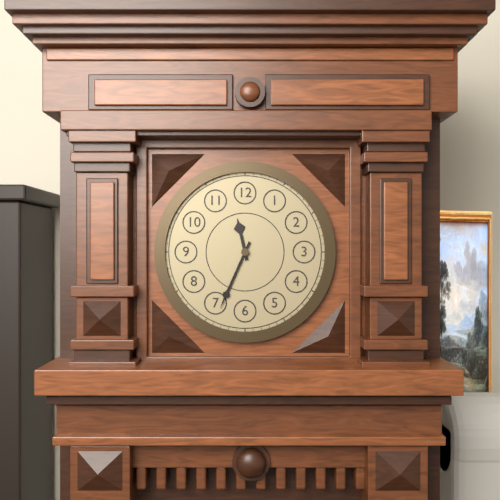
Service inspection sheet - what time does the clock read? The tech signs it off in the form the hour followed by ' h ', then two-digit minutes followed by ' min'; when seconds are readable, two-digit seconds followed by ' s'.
11 h 34 min
